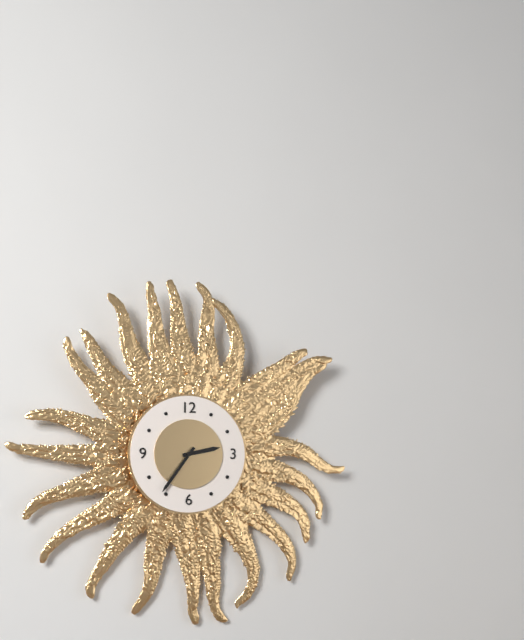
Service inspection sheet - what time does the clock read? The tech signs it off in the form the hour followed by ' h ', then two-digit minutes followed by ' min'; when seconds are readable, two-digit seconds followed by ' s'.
2 h 36 min
